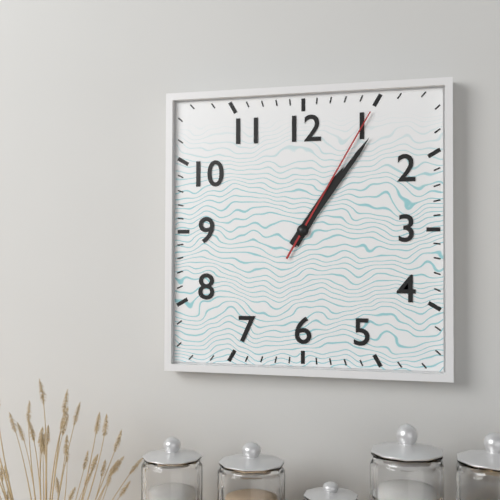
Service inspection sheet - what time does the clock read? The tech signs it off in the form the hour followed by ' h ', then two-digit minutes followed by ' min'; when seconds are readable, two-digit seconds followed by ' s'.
1 h 06 min 05 s
